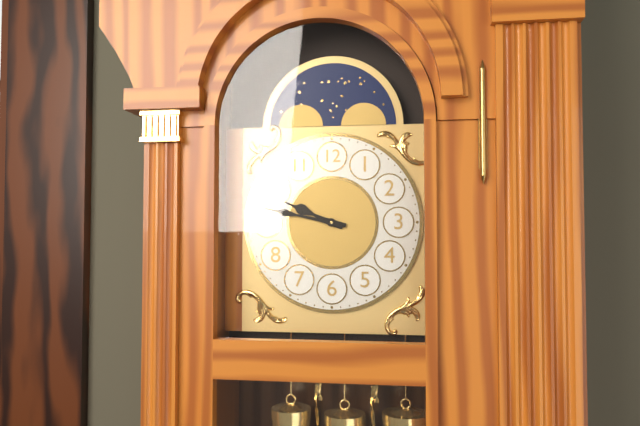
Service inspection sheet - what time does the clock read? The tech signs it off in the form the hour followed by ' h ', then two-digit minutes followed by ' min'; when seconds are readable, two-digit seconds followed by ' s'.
9 h 47 min
